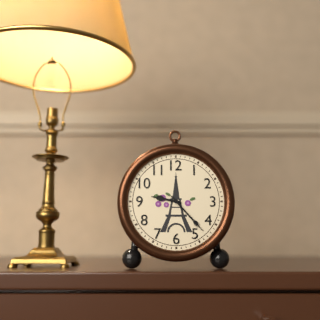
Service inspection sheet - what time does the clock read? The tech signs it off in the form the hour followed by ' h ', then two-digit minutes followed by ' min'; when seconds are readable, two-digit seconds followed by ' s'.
9 h 23 min
